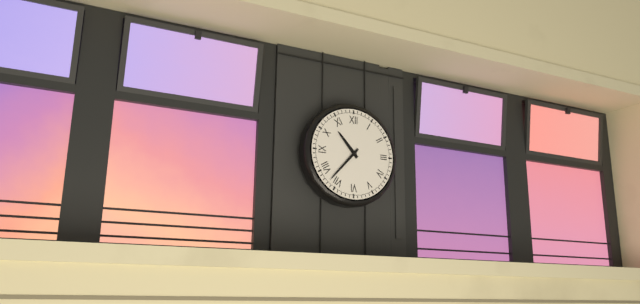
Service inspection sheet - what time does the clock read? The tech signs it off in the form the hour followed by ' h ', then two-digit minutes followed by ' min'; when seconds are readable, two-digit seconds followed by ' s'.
10 h 37 min
